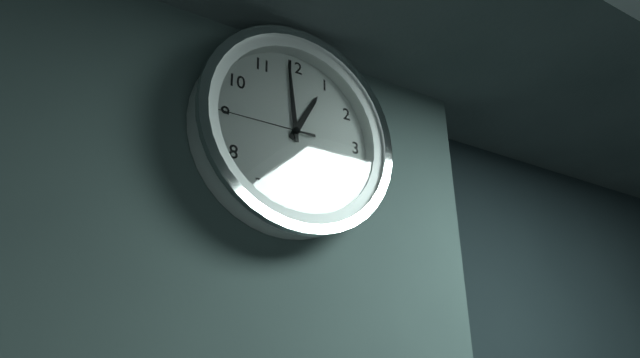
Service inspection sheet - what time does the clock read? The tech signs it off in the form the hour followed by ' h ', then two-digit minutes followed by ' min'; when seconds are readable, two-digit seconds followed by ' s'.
12 h 59 min 45 s
